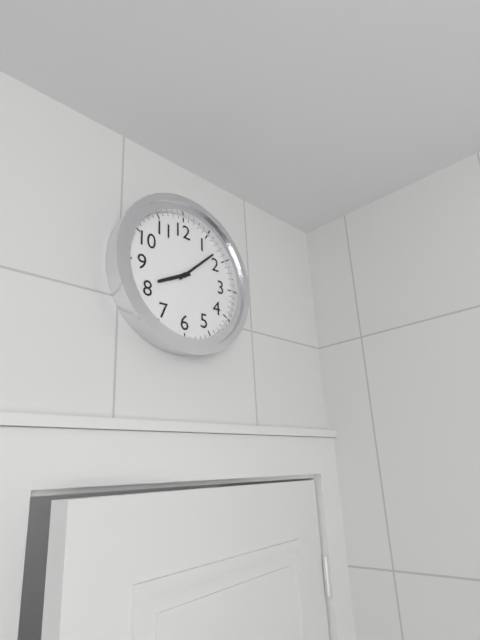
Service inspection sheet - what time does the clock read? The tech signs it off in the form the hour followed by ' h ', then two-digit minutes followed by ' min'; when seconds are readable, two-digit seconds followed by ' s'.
8 h 08 min
